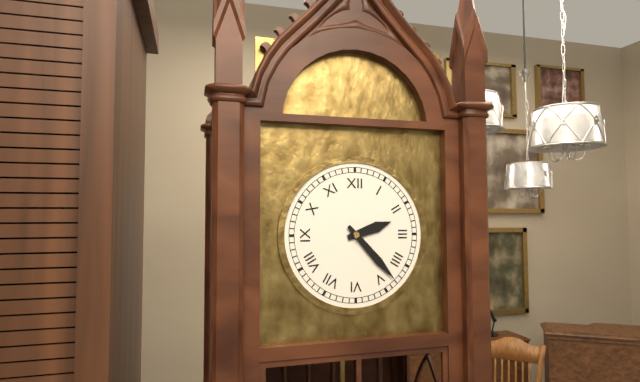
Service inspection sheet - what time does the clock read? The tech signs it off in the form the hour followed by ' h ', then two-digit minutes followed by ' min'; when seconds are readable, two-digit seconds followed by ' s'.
2 h 23 min
